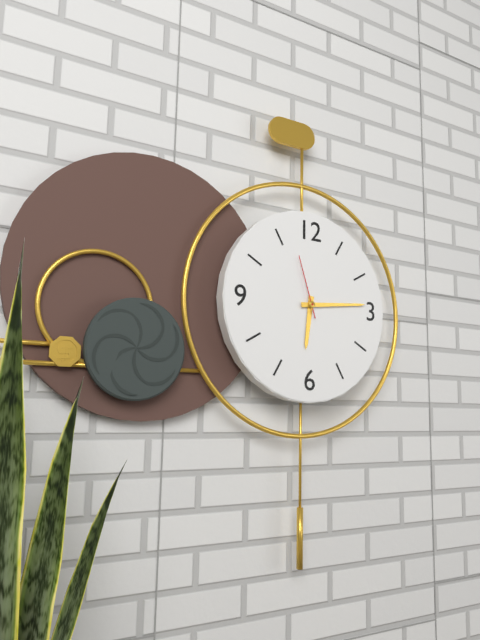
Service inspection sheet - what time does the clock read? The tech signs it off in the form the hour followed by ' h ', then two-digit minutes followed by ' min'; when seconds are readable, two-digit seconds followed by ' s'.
6 h 14 min 57 s
